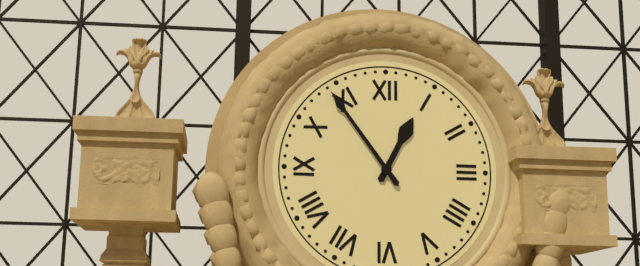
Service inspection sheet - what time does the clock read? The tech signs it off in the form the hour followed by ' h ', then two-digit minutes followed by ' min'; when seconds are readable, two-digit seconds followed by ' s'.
12 h 54 min
